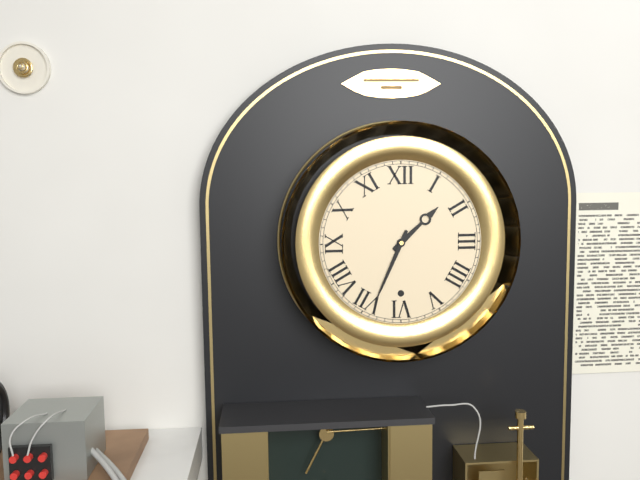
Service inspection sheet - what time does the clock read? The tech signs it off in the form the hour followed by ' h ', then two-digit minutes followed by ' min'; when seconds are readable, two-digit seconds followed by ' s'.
1 h 34 min
